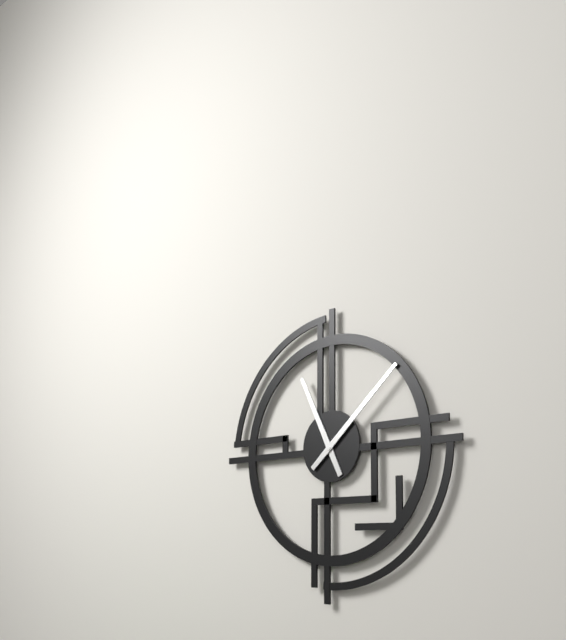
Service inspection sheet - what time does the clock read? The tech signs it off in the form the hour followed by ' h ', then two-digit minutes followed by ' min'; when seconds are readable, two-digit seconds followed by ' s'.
11 h 08 min
